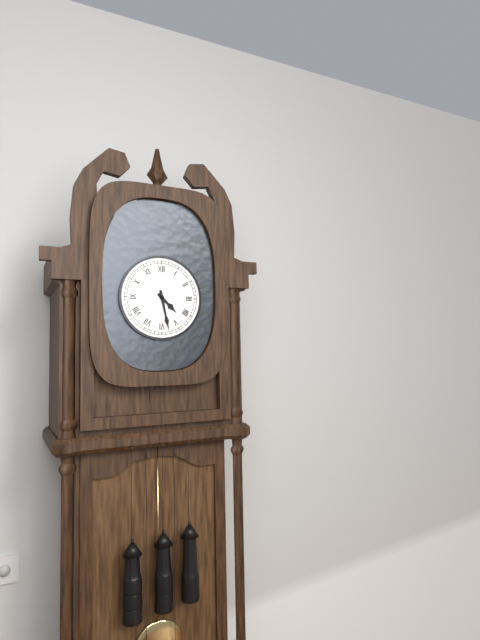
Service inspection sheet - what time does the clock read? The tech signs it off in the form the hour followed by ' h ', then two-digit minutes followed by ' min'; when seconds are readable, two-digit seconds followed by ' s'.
4 h 28 min
